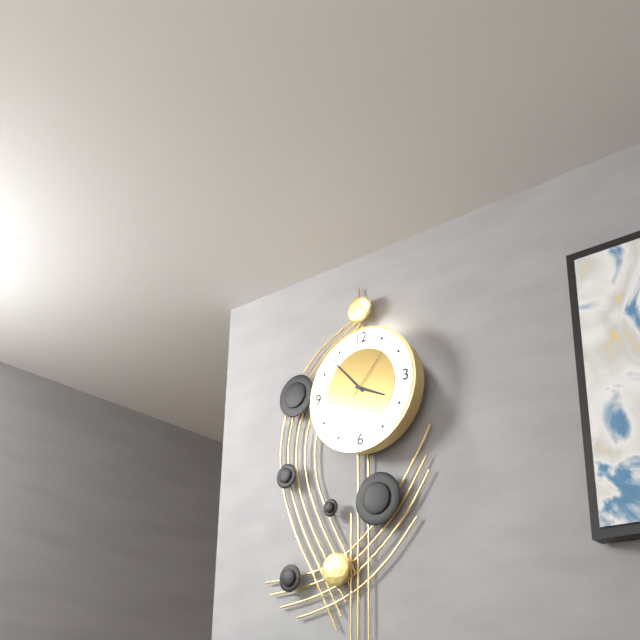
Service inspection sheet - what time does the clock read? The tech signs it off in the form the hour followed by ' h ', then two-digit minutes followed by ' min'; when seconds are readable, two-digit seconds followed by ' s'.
3 h 53 min 07 s
